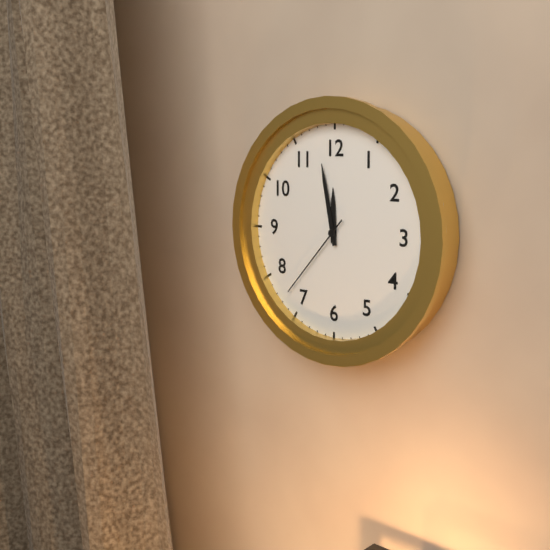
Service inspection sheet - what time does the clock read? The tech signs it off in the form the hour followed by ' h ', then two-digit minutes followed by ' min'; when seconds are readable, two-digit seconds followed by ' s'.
11 h 58 min 37 s
